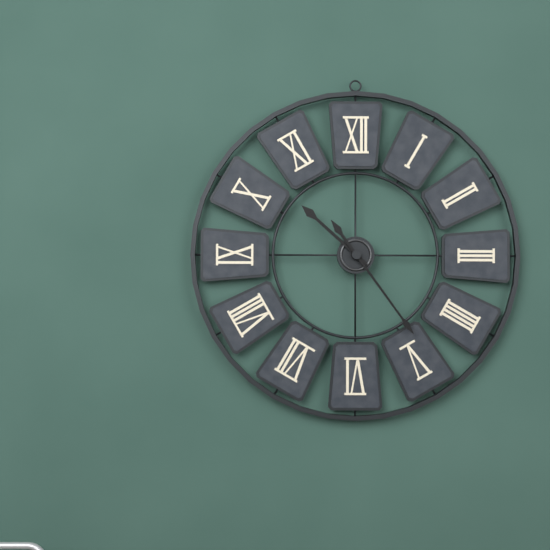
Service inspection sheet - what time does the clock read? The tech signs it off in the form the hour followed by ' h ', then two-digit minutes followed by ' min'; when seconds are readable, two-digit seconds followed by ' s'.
10 h 24 min
